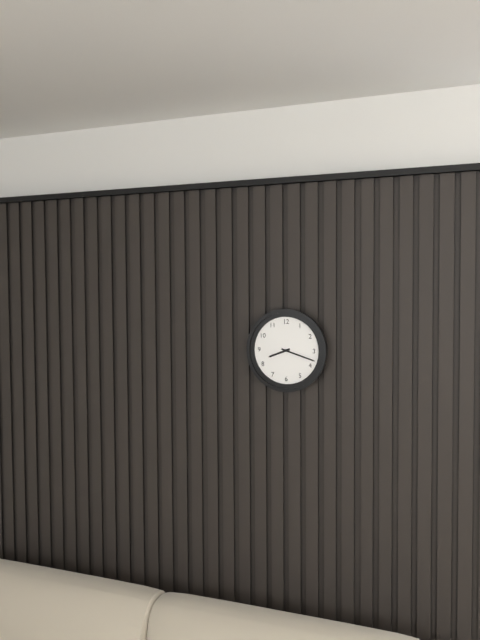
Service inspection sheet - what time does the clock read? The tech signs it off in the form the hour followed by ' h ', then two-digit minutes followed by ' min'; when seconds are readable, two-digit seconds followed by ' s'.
8 h 18 min
